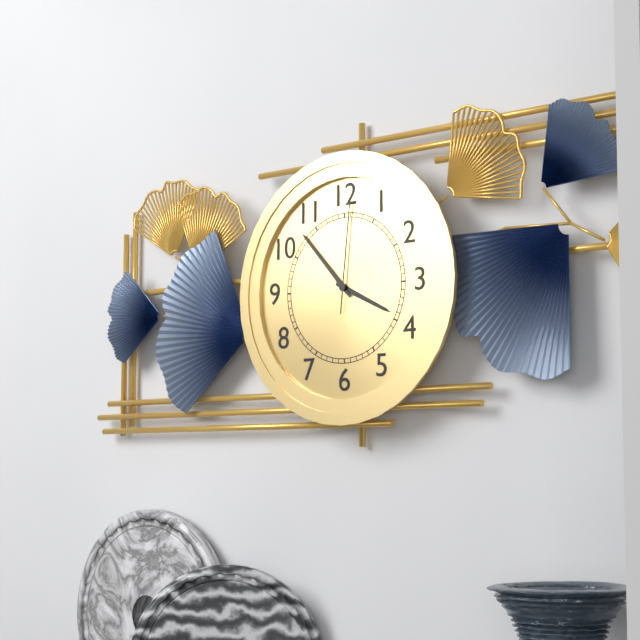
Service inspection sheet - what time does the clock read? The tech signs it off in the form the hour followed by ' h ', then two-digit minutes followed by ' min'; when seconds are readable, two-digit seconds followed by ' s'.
3 h 53 min 01 s
